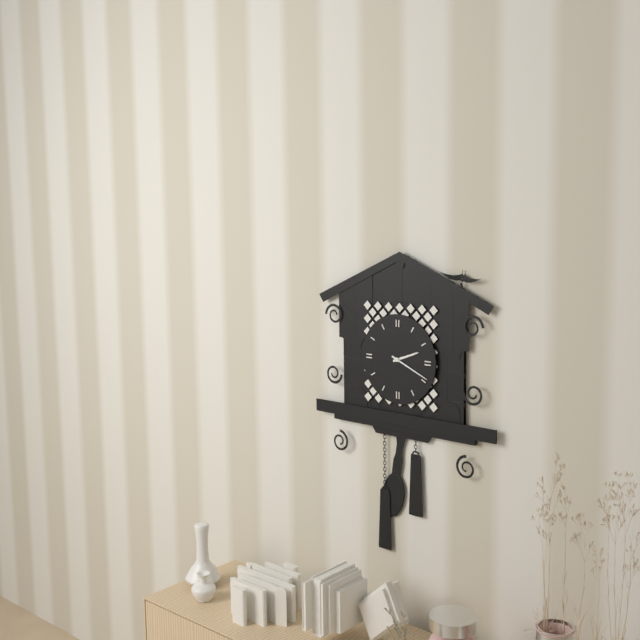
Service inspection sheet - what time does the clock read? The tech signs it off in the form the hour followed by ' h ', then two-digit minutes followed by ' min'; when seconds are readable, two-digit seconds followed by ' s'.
2 h 19 min
